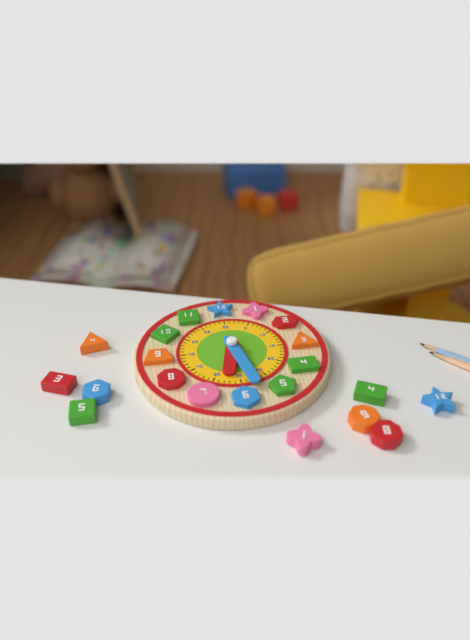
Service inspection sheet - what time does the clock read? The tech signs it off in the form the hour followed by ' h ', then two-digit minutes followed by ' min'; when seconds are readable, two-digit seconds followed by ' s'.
6 h 28 min
